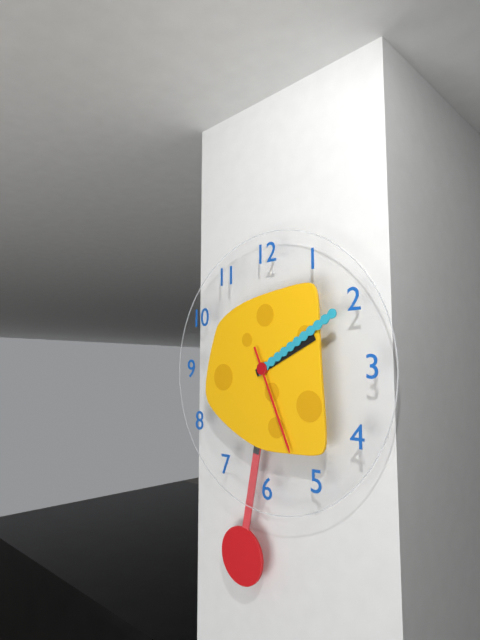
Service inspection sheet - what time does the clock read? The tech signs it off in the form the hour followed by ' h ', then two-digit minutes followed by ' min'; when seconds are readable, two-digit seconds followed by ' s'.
2 h 10 min 26 s
